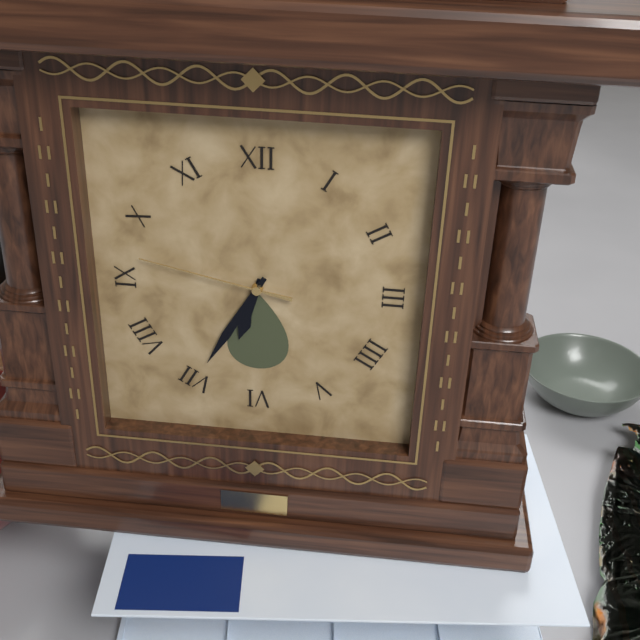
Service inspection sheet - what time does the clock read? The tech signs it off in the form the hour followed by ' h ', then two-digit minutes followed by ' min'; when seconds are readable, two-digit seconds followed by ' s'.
6 h 35 min 47 s
